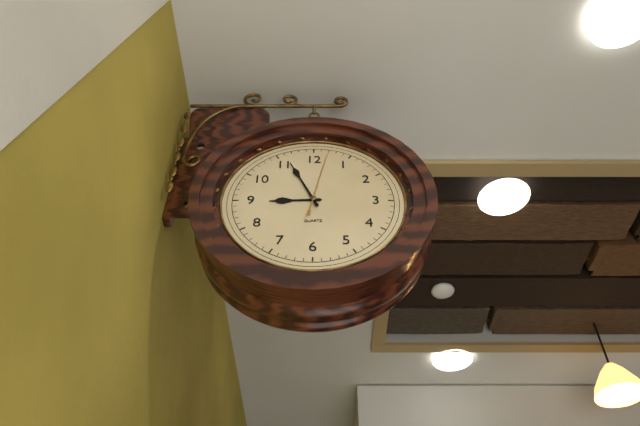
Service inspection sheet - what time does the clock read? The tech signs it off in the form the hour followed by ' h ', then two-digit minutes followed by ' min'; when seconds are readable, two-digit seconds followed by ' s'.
8 h 56 min 02 s
